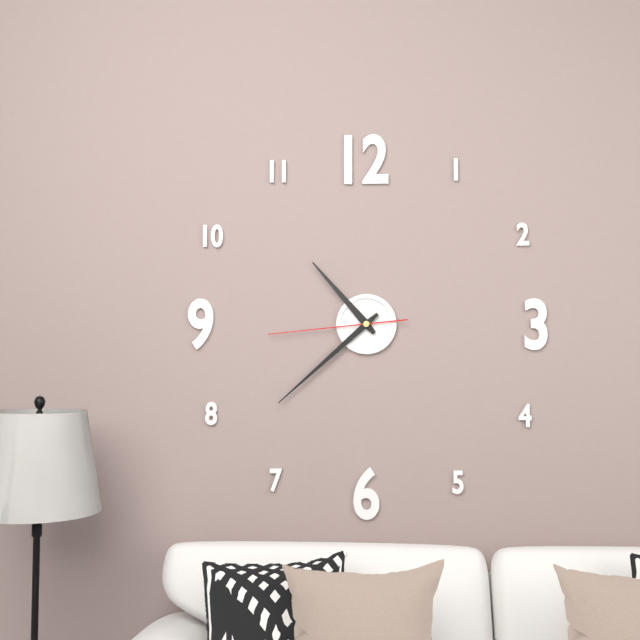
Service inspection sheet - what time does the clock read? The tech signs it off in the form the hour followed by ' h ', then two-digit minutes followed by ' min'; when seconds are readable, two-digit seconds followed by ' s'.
10 h 38 min 44 s
